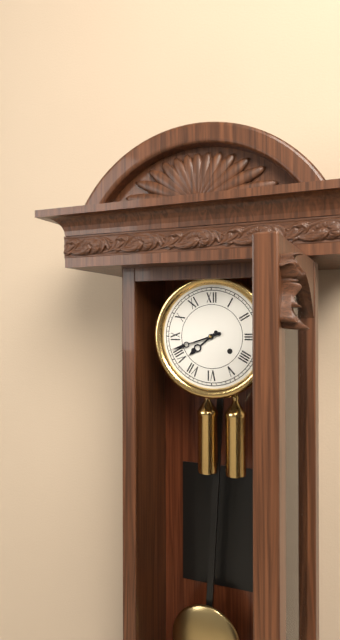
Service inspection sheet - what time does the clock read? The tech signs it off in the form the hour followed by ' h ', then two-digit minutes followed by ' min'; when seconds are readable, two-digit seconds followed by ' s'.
7 h 42 min
